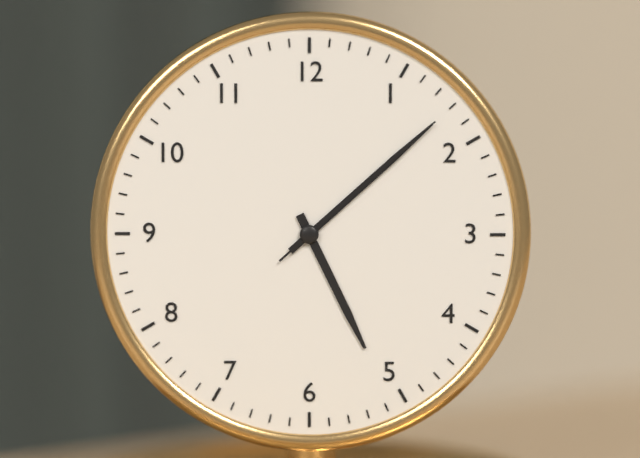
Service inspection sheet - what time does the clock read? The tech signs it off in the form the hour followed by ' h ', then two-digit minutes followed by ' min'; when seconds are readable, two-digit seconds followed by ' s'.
5 h 08 min 08 s
